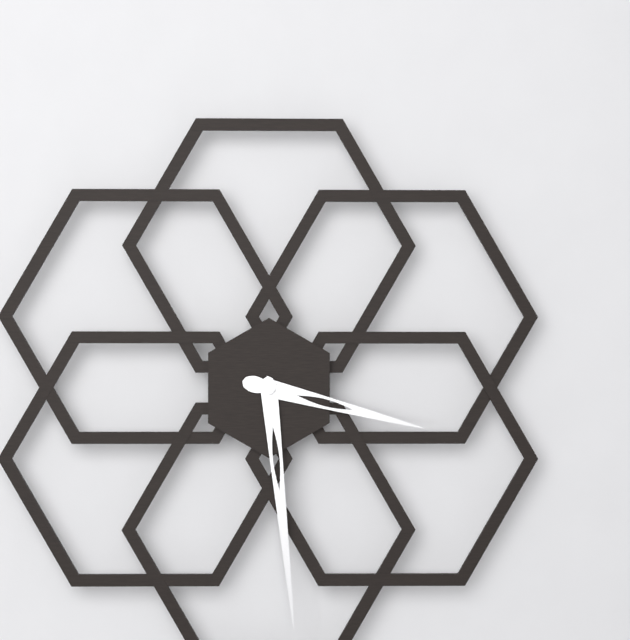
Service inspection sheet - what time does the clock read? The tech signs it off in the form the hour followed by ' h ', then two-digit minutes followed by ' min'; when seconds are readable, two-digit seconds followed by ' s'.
3 h 29 min
